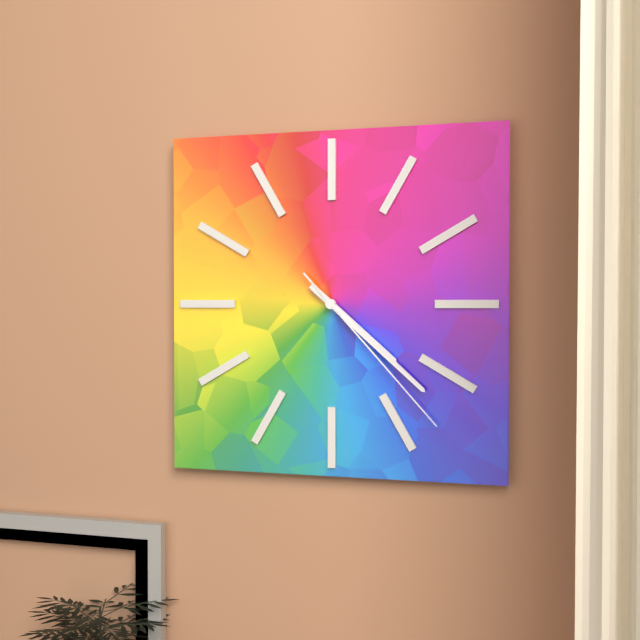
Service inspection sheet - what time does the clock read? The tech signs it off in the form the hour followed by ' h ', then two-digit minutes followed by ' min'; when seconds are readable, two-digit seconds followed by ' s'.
4 h 22 min 23 s
